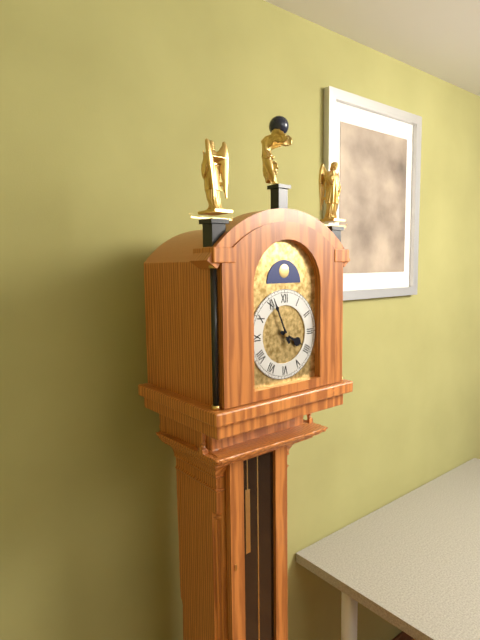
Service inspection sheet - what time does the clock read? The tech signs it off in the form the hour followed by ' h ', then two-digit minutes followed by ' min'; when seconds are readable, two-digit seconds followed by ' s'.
3 h 56 min
